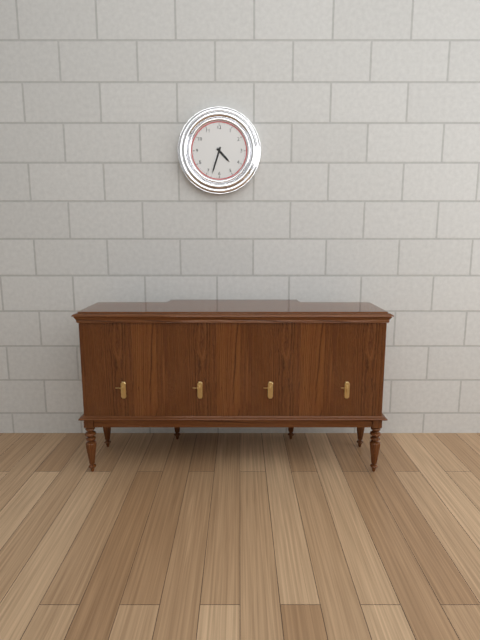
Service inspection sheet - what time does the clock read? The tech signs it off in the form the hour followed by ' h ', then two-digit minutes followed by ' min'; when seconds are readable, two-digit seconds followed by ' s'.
4 h 33 min
